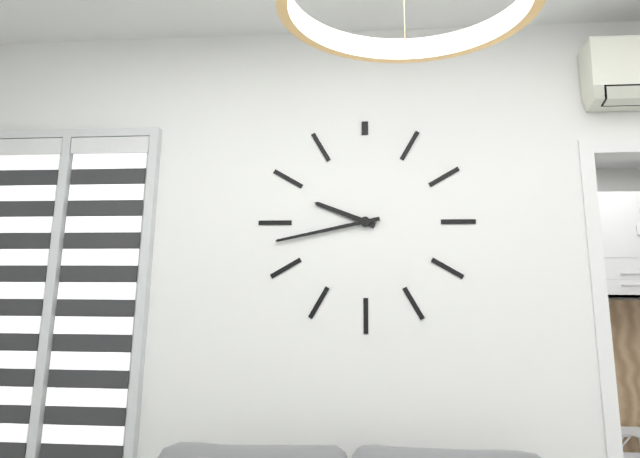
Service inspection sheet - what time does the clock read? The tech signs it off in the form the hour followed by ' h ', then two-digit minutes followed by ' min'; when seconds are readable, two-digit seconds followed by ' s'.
9 h 43 min
